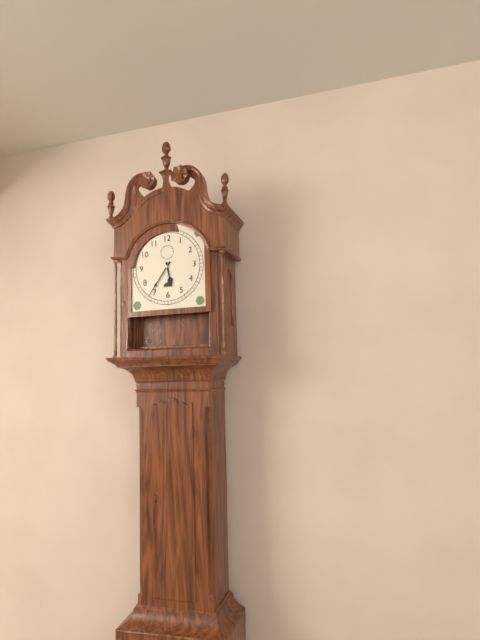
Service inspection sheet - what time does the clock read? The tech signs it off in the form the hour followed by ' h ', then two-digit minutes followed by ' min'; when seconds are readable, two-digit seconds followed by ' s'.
5 h 36 min
